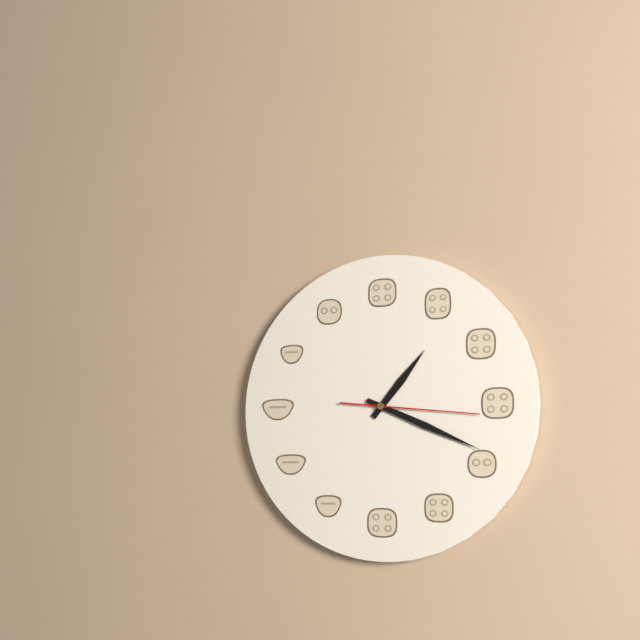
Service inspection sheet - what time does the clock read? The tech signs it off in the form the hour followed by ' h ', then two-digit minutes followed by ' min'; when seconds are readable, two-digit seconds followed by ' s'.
1 h 19 min 16 s
